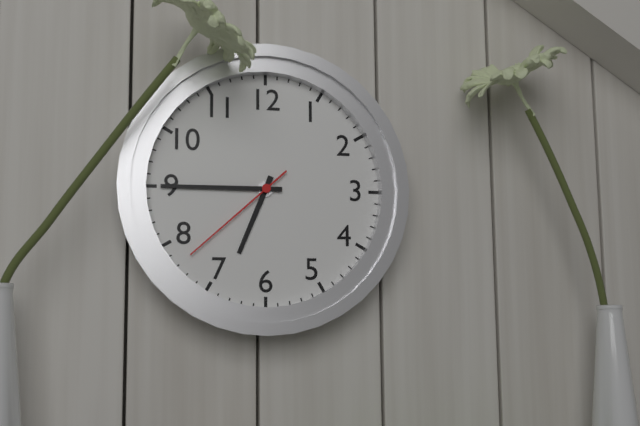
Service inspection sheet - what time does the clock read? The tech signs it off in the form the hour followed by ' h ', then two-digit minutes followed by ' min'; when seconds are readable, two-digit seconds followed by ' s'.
6 h 45 min 38 s
